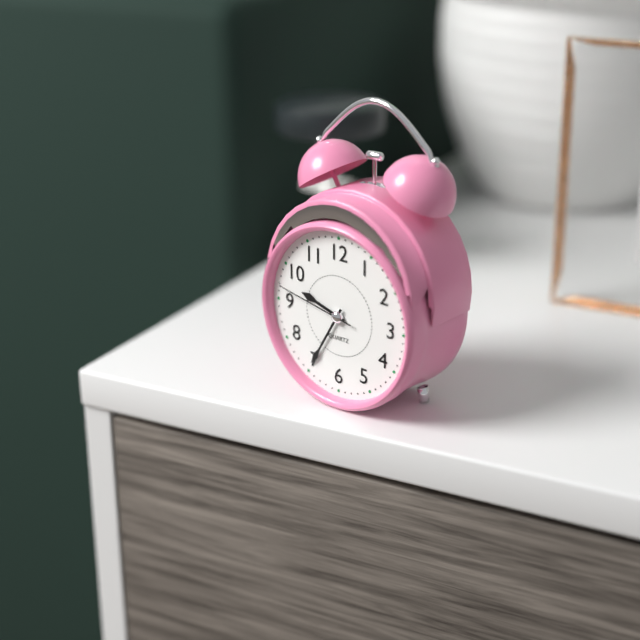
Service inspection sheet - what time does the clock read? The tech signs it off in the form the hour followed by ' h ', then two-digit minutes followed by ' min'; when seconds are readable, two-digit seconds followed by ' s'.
9 h 35 min 47 s
